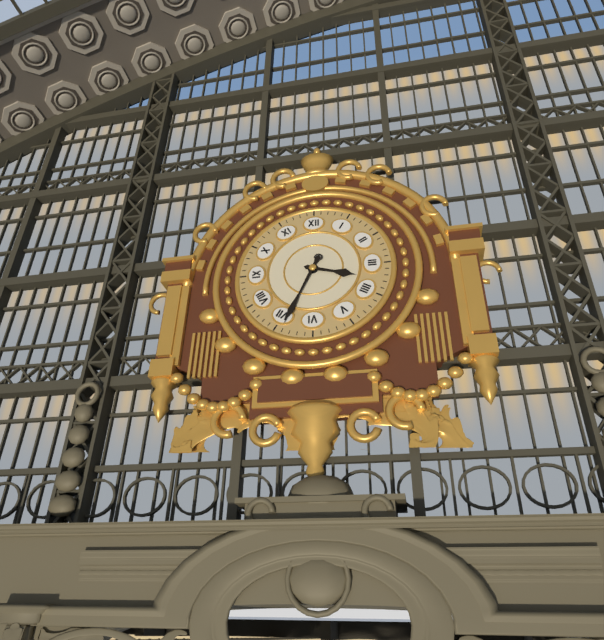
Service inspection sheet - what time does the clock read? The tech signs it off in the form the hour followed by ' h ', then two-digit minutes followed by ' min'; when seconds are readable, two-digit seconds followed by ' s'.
3 h 34 min
